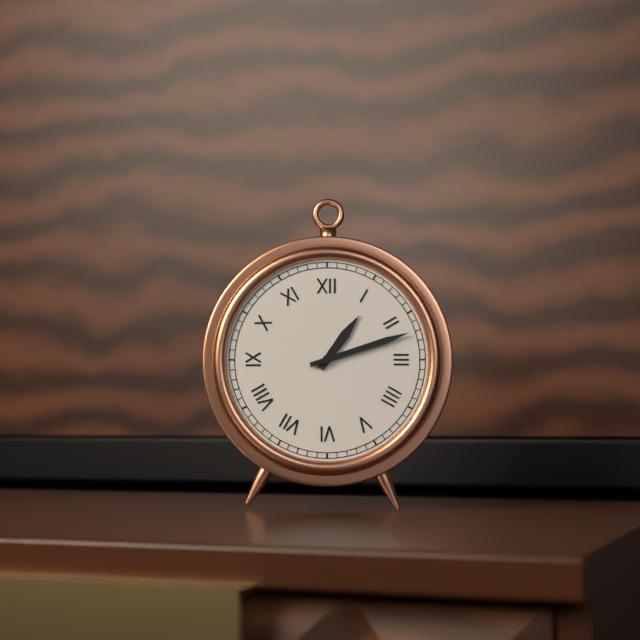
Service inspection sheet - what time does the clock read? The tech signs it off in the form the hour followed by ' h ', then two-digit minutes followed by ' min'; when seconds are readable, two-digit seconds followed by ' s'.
1 h 12 min
